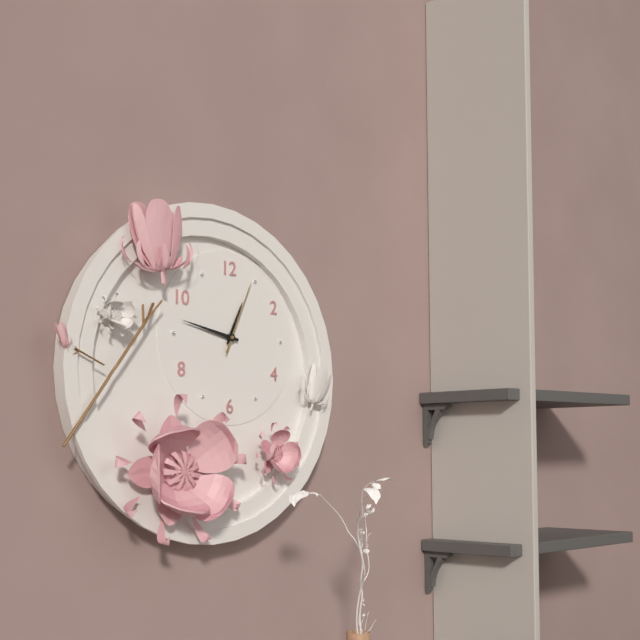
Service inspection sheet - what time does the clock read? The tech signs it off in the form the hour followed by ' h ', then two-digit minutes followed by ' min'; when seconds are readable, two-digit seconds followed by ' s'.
12 h 47 min 04 s
